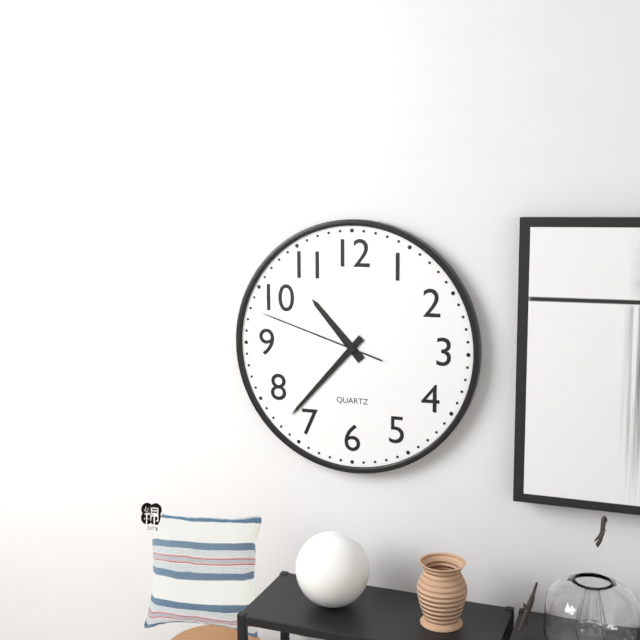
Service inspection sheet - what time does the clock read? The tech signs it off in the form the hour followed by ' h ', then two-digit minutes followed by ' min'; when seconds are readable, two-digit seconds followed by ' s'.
10 h 37 min 48 s
